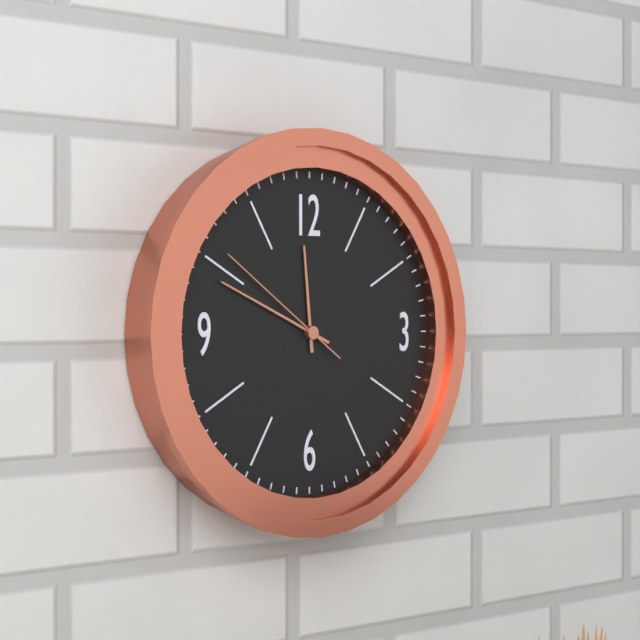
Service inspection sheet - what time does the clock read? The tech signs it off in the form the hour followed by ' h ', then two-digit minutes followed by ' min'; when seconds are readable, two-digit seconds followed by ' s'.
11 h 49 min 51 s
